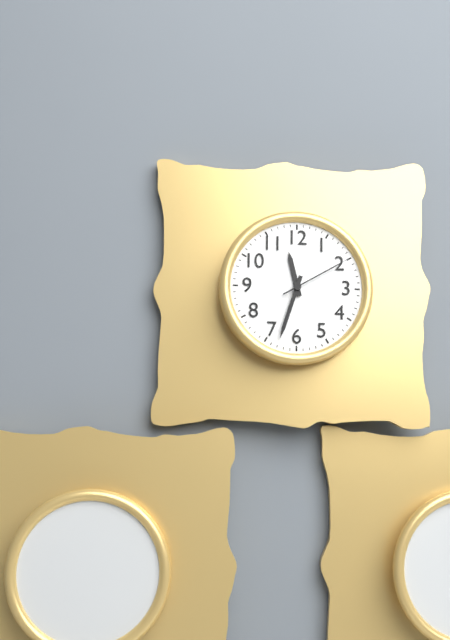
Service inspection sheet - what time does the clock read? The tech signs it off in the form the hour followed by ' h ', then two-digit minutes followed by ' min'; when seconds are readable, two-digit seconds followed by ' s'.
11 h 33 min 10 s
